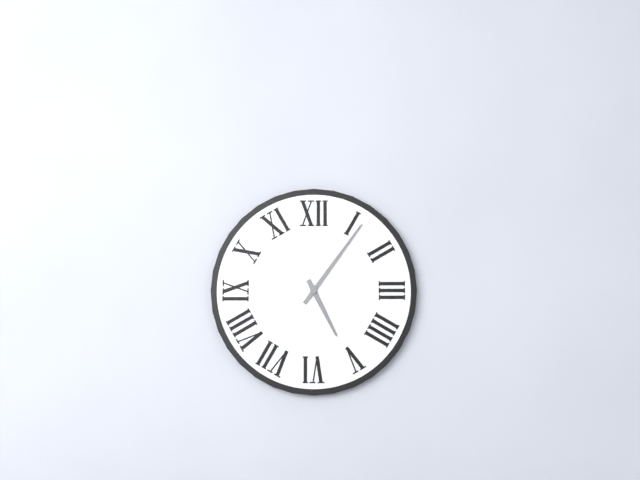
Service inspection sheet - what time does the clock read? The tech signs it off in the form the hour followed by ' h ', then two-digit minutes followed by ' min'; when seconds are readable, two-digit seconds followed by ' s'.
5 h 06 min
